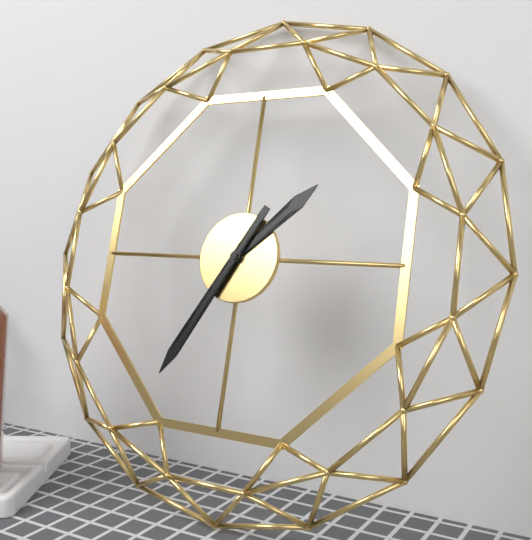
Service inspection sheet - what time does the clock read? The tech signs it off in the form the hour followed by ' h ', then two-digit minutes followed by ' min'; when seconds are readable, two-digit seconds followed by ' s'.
1 h 35 min
